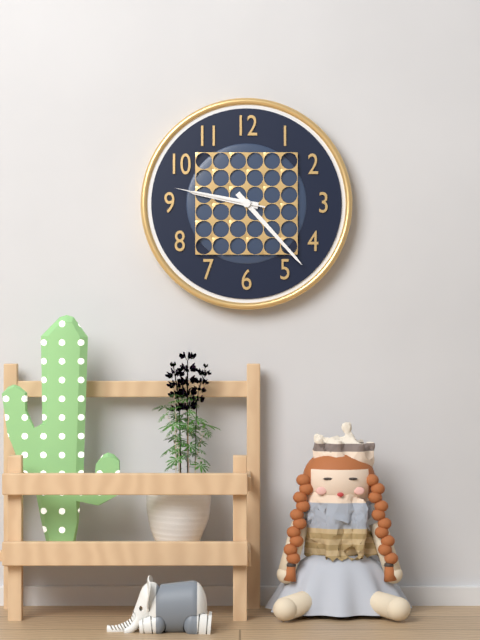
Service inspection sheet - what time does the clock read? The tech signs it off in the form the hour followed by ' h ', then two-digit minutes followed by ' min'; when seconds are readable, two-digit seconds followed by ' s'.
9 h 23 min 47 s
